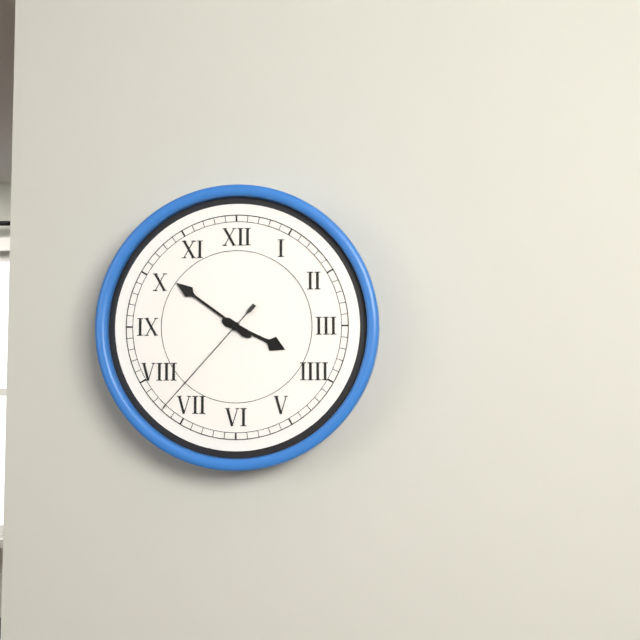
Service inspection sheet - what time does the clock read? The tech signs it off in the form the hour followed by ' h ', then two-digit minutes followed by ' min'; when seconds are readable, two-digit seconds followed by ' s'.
3 h 51 min 37 s
